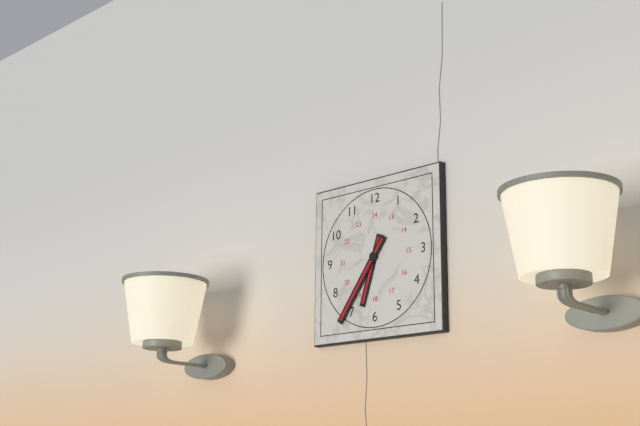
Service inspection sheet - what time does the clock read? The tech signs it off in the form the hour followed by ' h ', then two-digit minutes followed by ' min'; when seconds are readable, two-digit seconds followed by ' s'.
6 h 36 min
